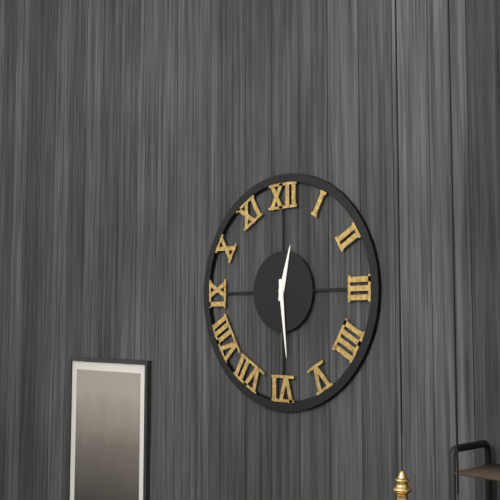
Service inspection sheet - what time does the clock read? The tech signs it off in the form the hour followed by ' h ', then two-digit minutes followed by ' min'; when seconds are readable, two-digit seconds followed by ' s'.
12 h 29 min
